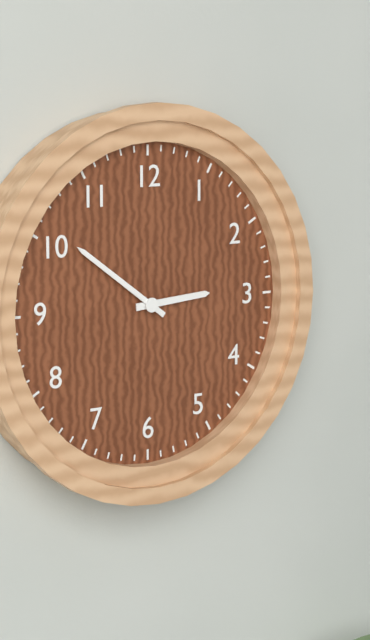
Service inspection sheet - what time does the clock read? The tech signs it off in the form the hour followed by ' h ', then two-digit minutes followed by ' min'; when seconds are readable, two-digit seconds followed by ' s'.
2 h 51 min
